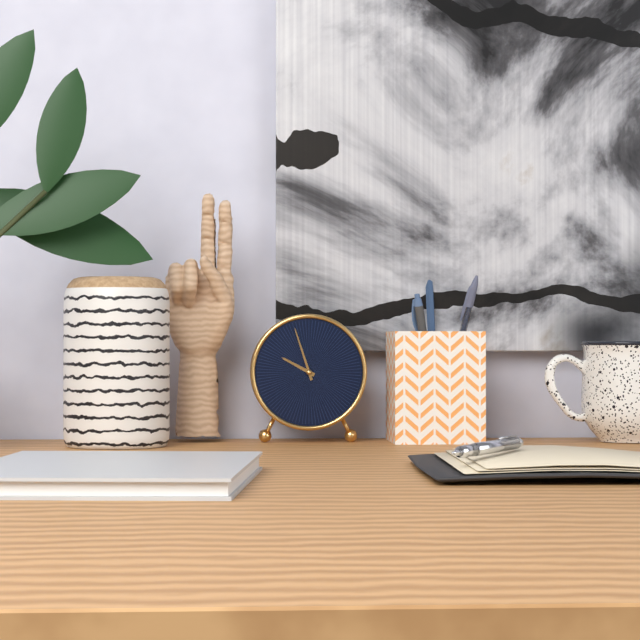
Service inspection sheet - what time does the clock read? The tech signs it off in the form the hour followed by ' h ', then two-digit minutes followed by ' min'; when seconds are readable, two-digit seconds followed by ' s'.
9 h 57 min
